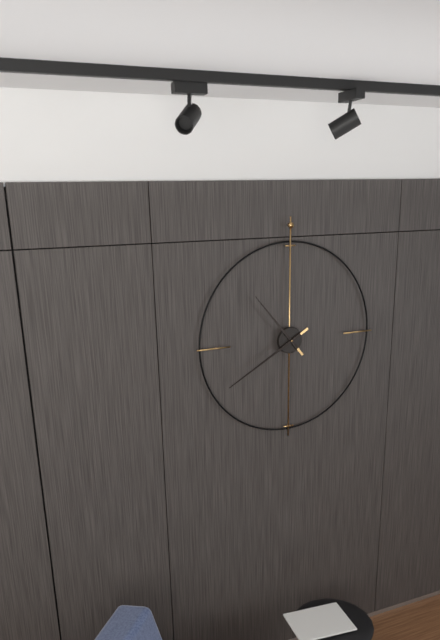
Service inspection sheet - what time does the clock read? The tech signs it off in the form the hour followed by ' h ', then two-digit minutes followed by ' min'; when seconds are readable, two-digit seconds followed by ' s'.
10 h 40 min
